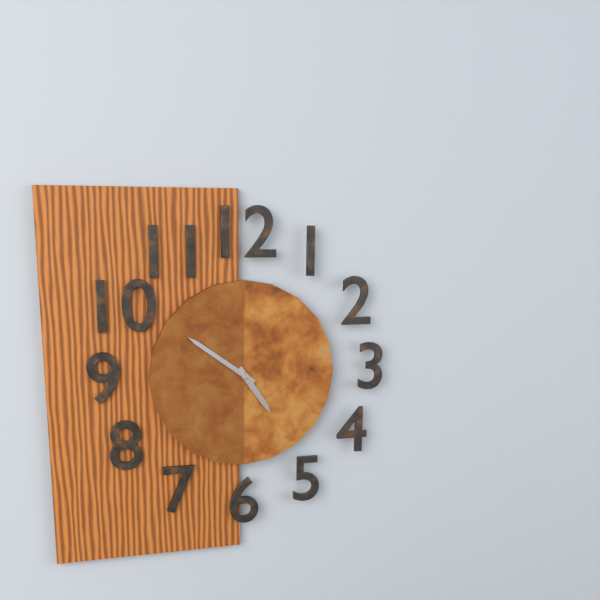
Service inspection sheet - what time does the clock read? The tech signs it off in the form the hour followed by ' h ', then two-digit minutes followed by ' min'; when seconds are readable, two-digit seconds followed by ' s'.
4 h 51 min
